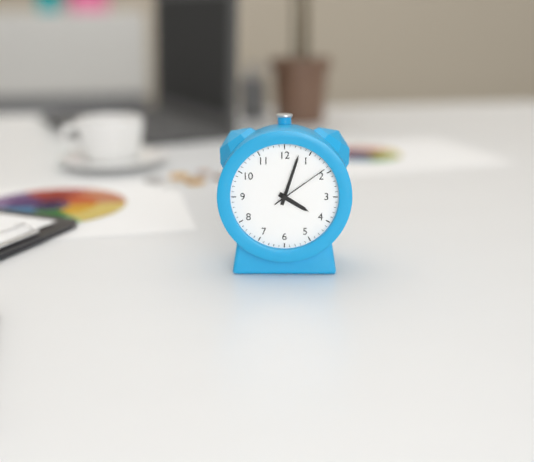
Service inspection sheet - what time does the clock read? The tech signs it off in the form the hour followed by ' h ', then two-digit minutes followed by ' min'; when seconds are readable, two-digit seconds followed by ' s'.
4 h 03 min 09 s
